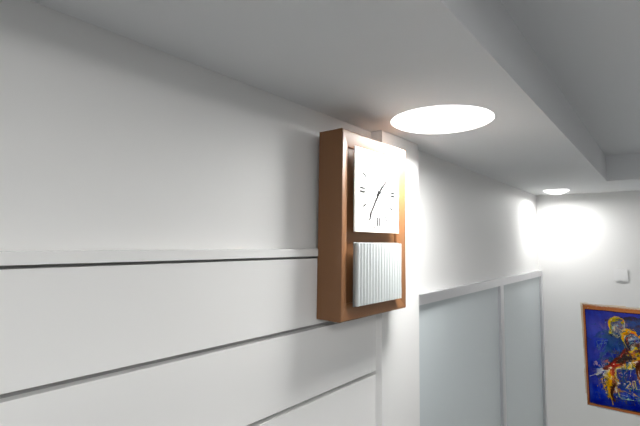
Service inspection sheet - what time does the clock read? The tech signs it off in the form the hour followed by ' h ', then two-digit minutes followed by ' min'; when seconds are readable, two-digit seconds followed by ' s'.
1 h 36 min
